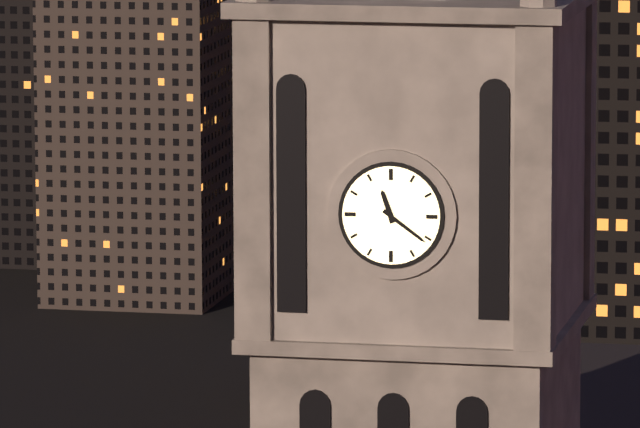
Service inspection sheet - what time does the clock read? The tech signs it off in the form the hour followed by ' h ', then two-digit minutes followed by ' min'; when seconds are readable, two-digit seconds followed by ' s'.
11 h 21 min
